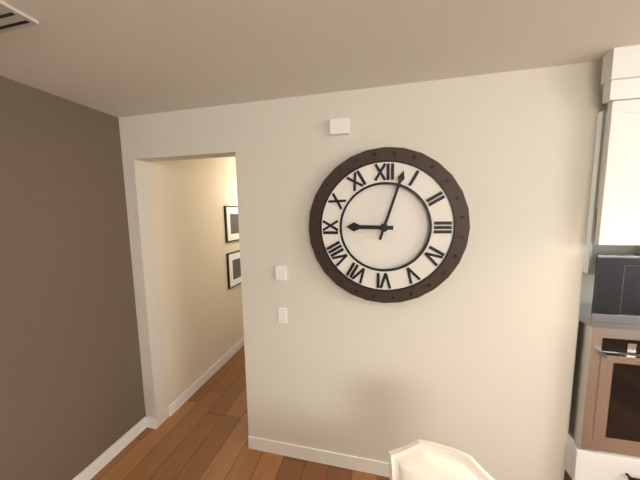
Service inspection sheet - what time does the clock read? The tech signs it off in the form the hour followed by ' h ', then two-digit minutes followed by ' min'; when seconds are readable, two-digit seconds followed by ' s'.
9 h 03 min
